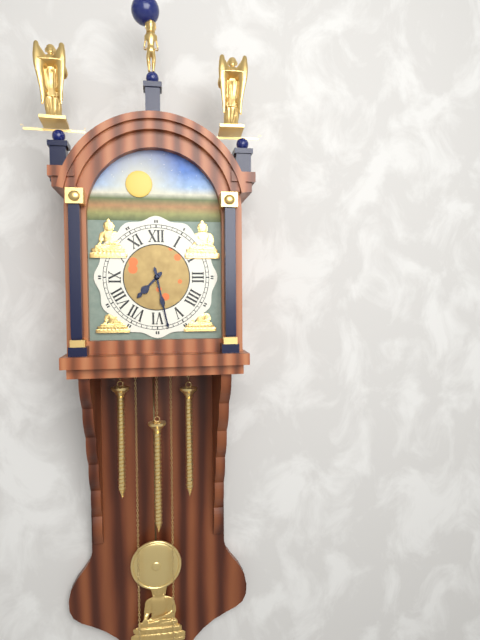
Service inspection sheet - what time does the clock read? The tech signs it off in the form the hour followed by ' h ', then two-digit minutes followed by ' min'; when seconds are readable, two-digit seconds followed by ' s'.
7 h 28 min
